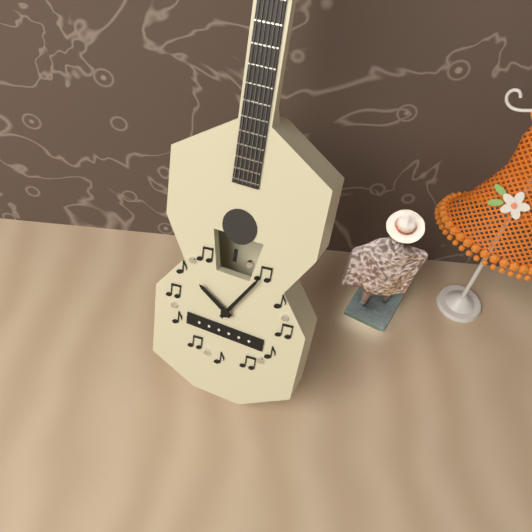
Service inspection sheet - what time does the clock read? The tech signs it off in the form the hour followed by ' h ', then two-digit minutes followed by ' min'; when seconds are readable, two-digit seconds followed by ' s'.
10 h 05 min
